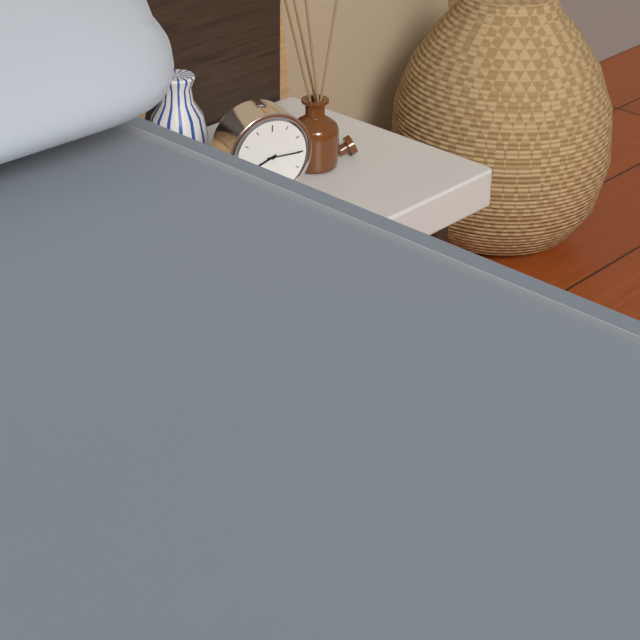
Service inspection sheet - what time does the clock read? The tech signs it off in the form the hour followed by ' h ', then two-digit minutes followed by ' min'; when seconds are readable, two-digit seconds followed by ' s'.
8 h 15 min
